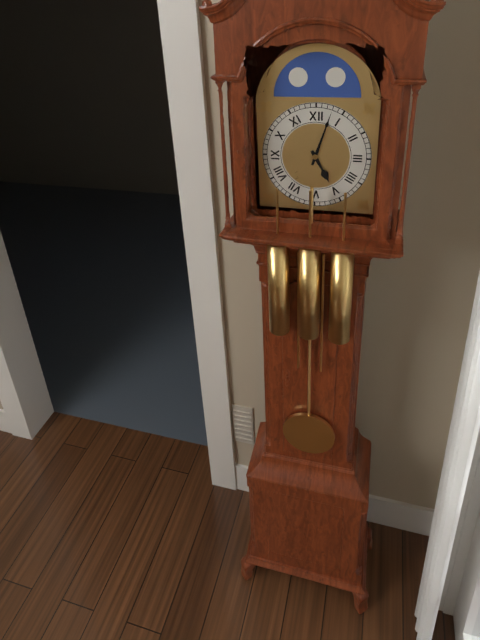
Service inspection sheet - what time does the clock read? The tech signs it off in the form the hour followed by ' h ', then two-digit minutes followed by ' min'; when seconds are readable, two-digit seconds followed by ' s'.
5 h 03 min
